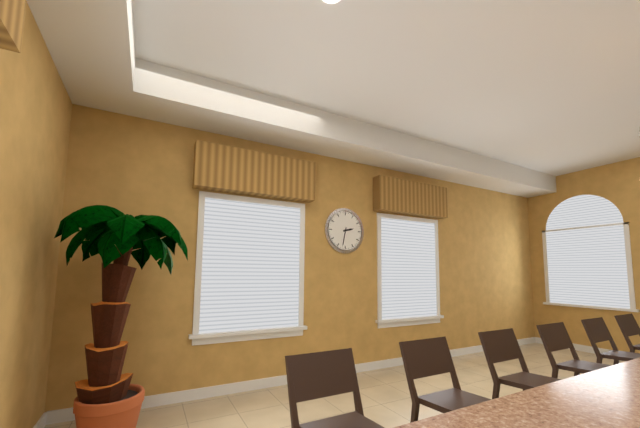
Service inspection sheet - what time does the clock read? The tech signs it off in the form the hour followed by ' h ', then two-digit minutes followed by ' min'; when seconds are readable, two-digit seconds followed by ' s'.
2 h 32 min
